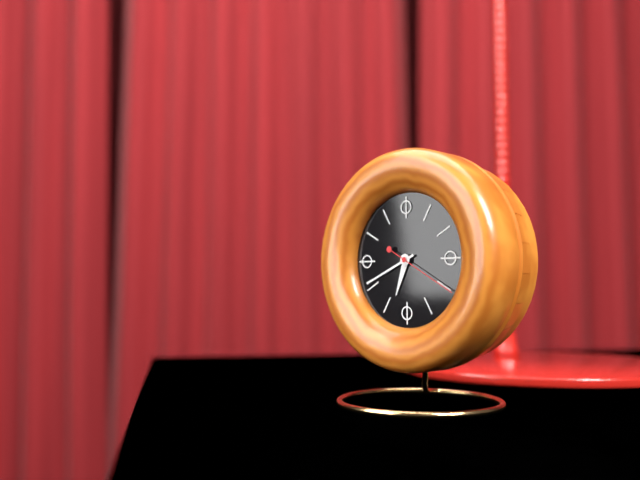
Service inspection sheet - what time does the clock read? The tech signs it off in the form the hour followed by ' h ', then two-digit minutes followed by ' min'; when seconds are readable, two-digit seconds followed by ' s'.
6 h 41 min 20 s
